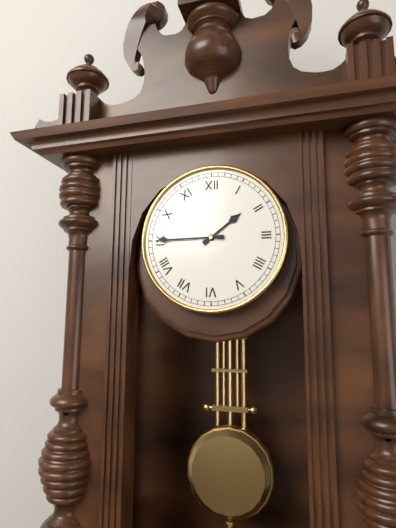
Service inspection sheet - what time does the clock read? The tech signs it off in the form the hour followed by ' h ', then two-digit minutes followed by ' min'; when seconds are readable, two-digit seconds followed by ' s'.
1 h 45 min
